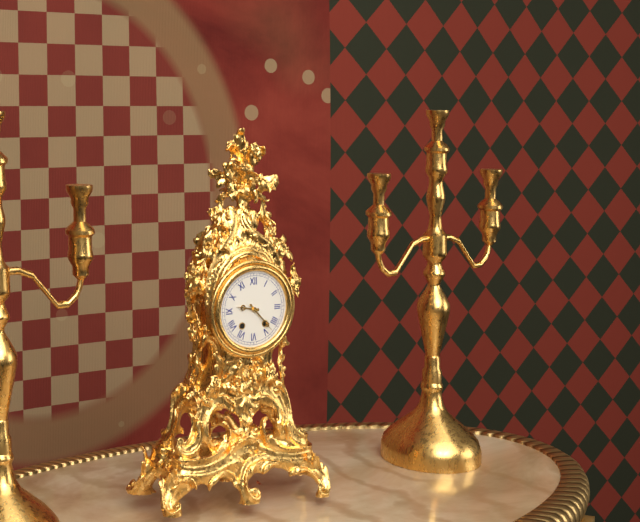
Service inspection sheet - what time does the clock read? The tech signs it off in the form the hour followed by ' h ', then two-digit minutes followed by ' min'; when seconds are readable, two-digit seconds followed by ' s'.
9 h 23 min
